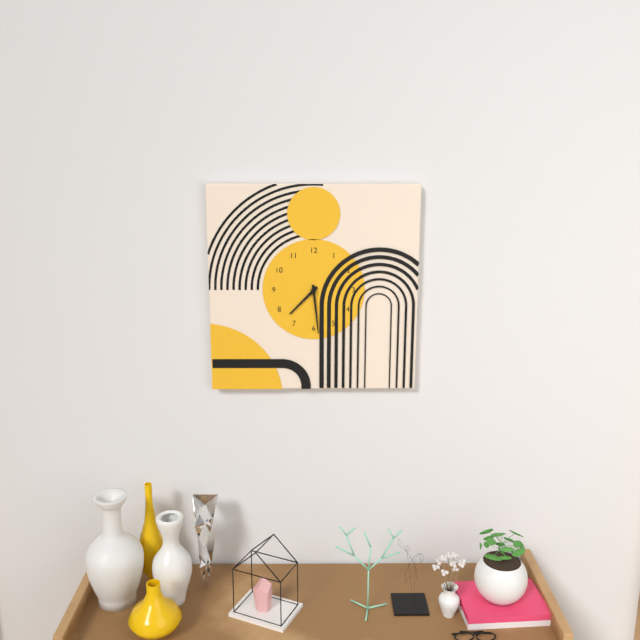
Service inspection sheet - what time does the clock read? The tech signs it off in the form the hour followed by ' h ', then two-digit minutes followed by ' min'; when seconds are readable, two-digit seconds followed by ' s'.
7 h 29 min
